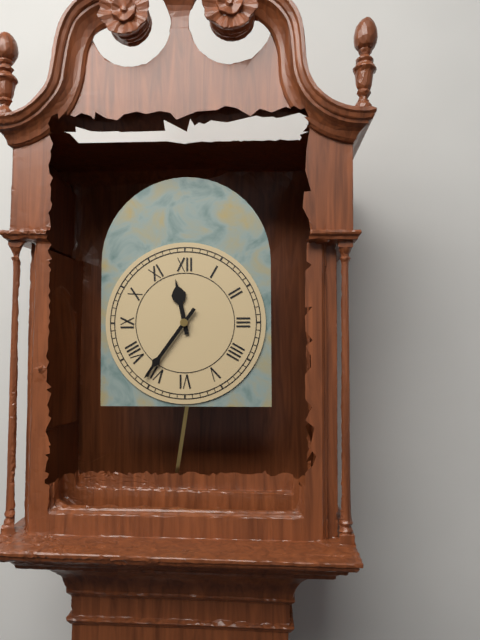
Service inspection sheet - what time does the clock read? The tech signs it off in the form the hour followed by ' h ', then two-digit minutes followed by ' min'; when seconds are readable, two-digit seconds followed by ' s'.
11 h 36 min
